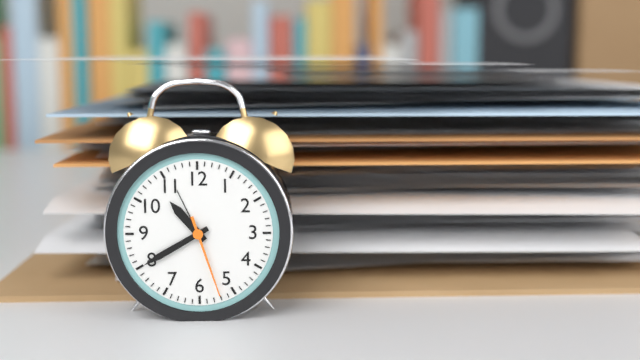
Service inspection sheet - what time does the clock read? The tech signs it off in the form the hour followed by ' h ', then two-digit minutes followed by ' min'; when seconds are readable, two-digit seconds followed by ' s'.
10 h 40 min 27 s
